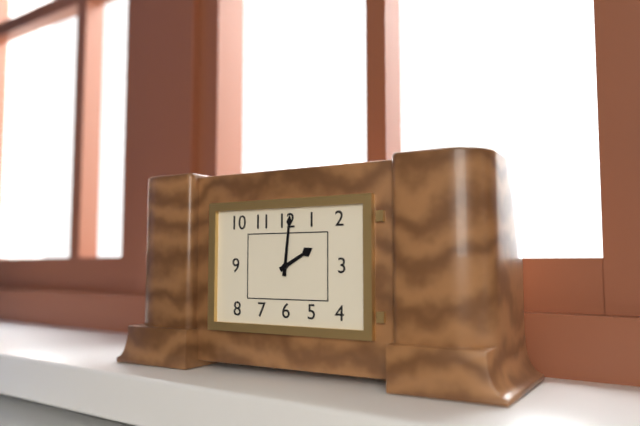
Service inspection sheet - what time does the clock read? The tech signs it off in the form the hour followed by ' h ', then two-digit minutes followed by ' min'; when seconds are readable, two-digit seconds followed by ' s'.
2 h 01 min
